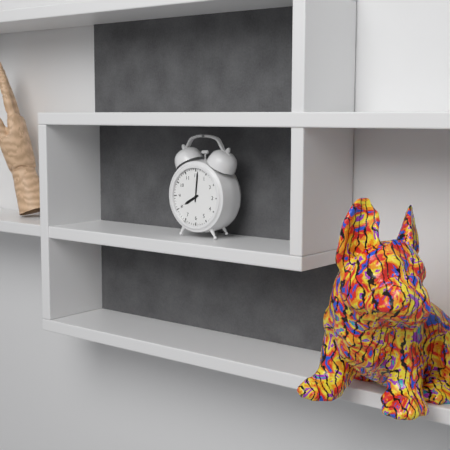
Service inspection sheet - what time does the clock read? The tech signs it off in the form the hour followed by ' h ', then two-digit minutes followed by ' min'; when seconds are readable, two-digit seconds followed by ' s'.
8 h 01 min
